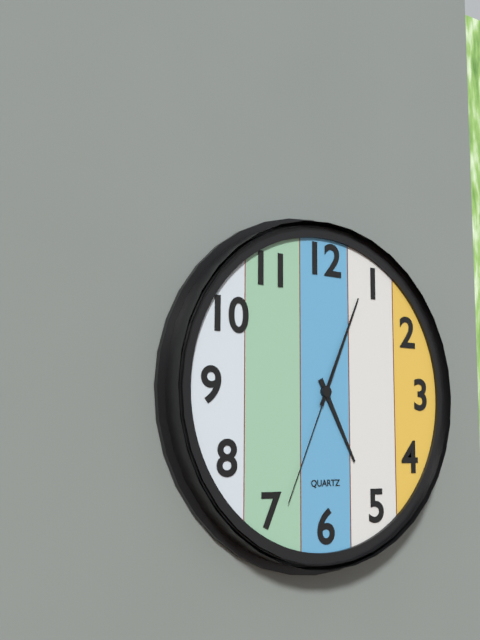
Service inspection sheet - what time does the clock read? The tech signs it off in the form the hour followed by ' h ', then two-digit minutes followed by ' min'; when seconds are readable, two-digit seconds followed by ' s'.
5 h 04 min 34 s
